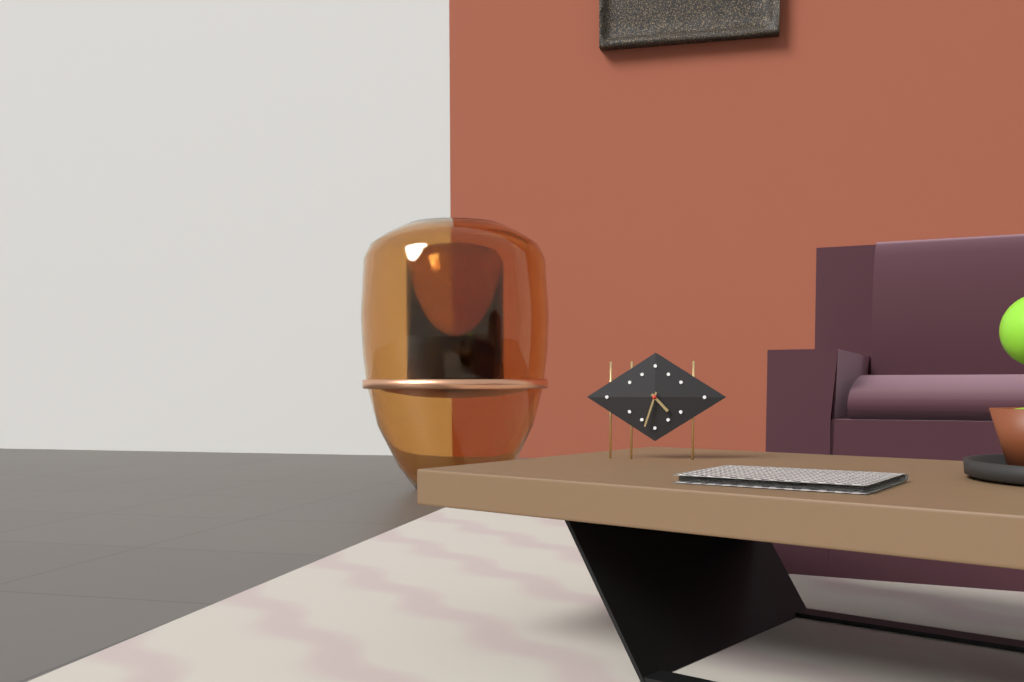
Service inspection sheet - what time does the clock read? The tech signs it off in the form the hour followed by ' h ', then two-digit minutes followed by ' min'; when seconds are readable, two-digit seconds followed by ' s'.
4 h 33 min
